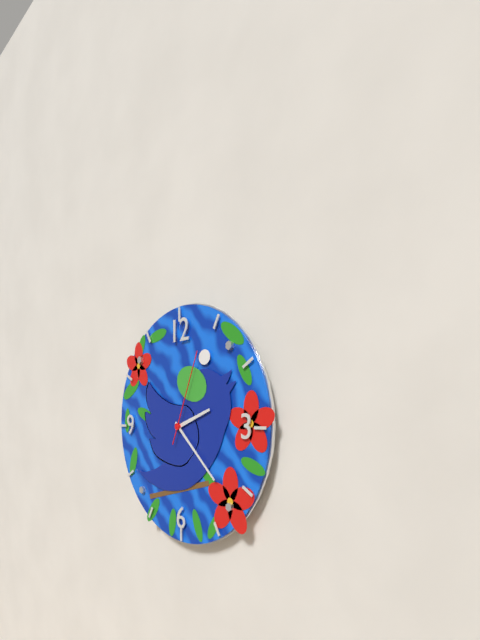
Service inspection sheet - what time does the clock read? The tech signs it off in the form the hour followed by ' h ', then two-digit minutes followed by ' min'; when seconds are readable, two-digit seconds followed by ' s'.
2 h 22 min 04 s
